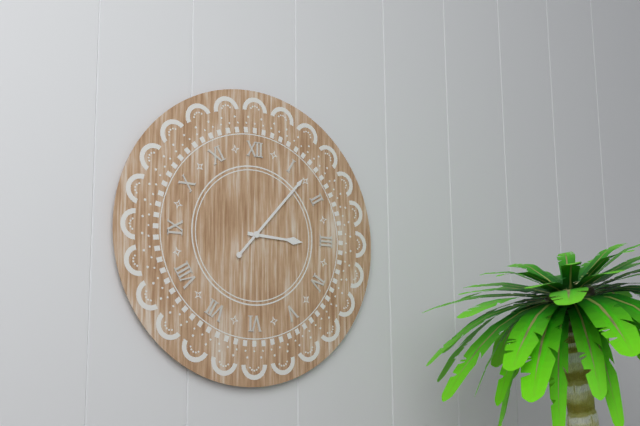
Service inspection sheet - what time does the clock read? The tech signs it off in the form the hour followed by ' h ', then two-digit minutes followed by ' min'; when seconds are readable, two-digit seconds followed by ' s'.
3 h 07 min
